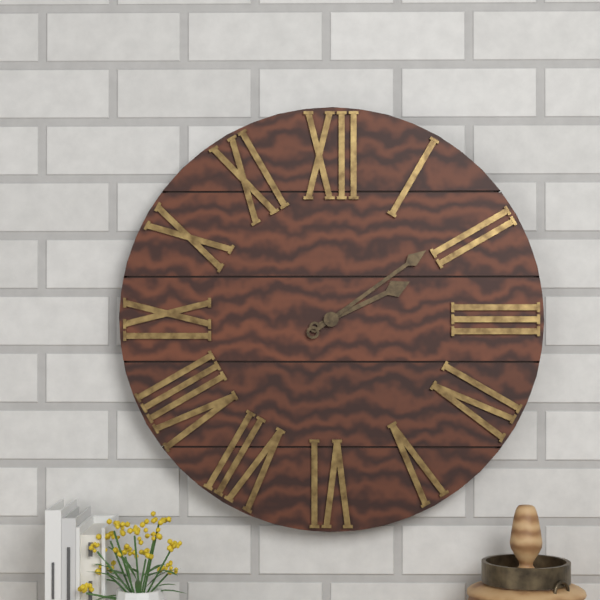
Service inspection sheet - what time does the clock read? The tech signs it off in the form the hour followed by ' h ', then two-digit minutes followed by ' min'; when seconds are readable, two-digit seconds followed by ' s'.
2 h 09 min
